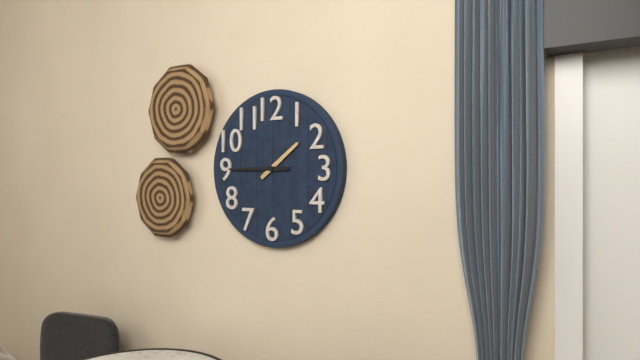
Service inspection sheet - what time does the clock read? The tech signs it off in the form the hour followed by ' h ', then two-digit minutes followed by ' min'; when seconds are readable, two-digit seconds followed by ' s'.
1 h 45 min
